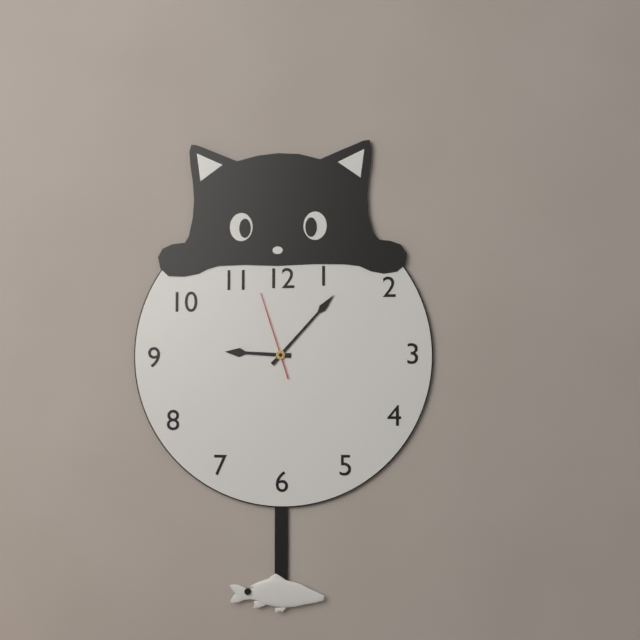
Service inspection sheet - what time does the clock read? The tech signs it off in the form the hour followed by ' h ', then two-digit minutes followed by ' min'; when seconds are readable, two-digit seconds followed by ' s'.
9 h 07 min 57 s
